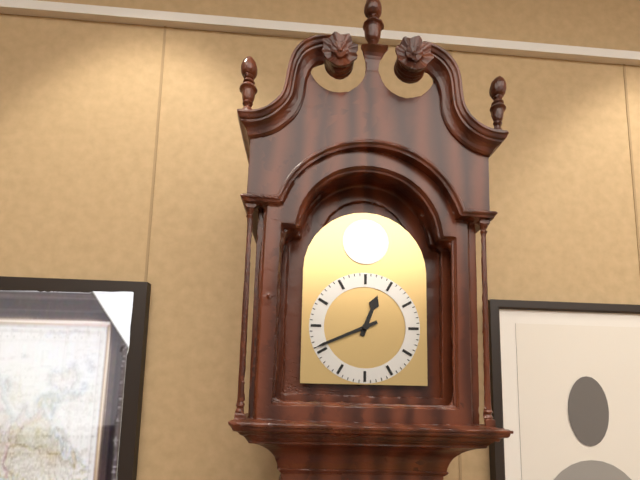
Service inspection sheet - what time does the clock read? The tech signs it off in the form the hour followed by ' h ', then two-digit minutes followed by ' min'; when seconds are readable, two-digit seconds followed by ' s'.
12 h 41 min
